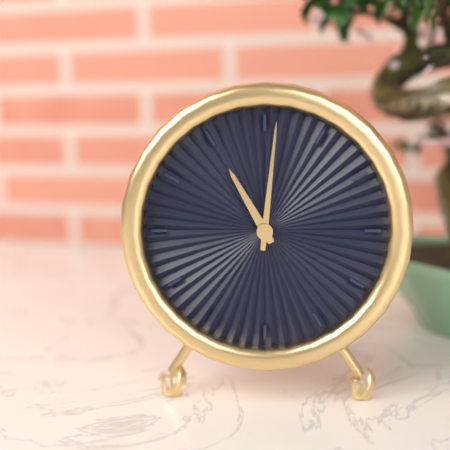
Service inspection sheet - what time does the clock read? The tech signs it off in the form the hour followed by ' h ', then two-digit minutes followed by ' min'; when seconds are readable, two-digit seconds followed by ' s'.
11 h 01 min
